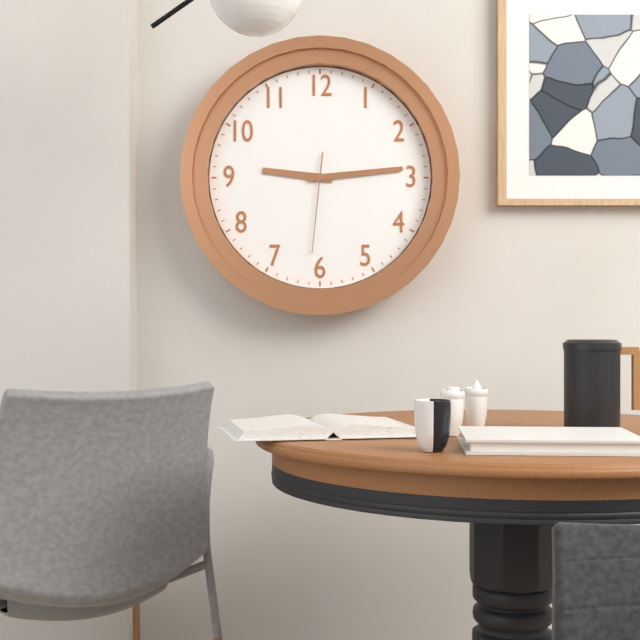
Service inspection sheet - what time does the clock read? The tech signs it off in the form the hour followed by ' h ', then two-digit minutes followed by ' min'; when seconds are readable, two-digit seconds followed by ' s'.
9 h 14 min 31 s
